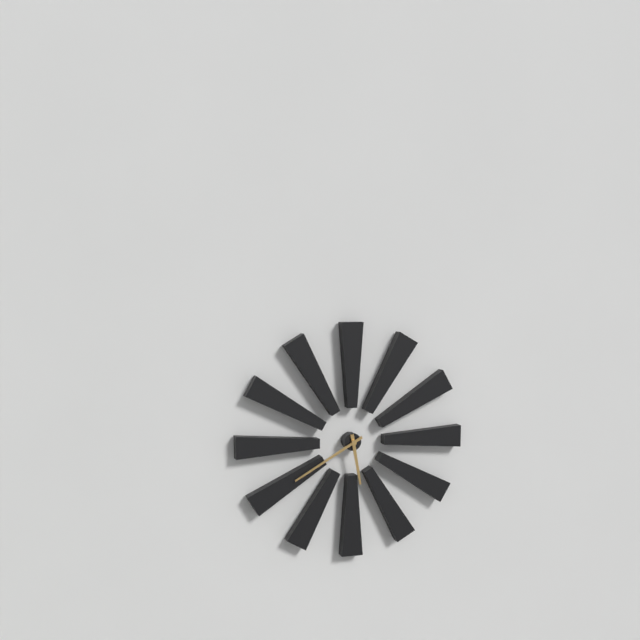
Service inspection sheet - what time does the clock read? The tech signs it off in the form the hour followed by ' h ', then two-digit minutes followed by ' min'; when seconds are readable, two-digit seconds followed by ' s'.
5 h 40 min
